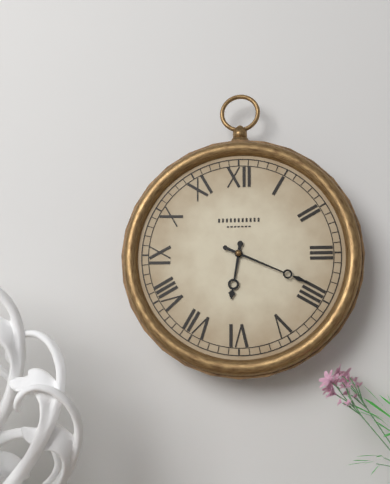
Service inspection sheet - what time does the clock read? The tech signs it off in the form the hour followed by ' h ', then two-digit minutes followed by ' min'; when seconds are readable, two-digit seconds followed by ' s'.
6 h 19 min
